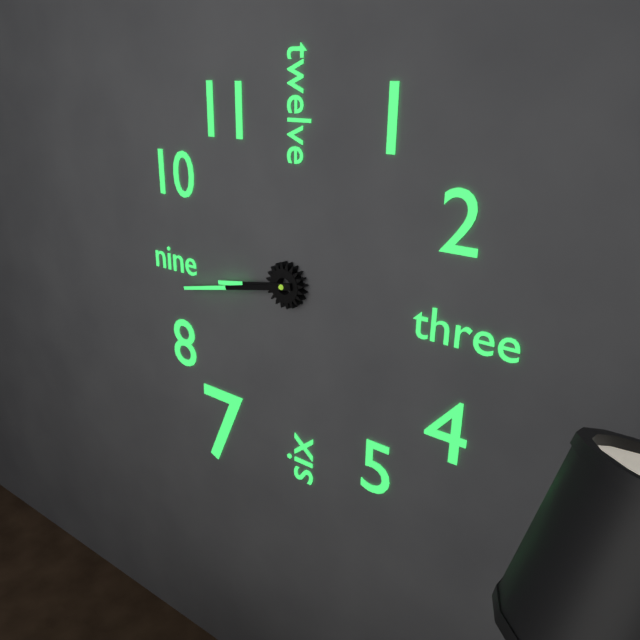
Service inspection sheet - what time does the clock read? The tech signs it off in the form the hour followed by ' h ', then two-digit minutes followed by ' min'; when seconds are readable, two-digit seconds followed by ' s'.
8 h 43 min
